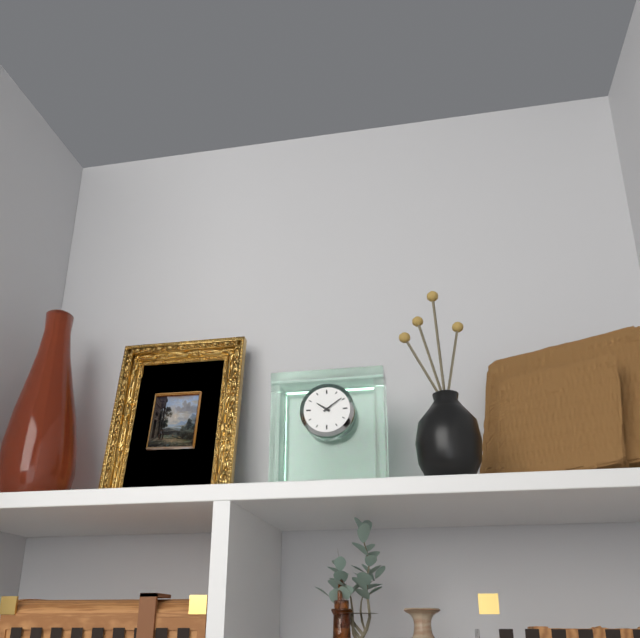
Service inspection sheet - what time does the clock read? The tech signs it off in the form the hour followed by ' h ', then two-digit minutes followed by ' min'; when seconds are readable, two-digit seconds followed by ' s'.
10 h 09 min
